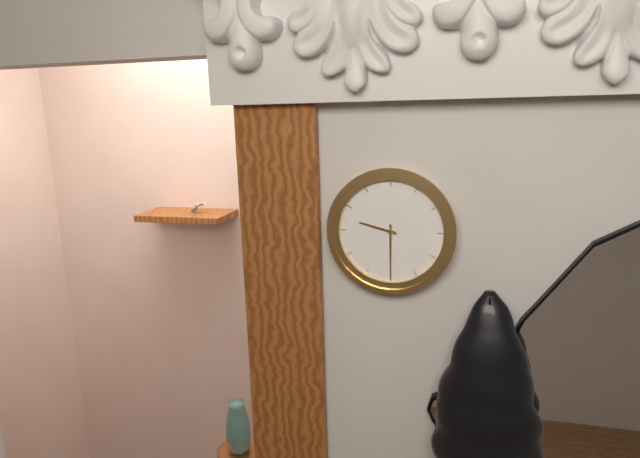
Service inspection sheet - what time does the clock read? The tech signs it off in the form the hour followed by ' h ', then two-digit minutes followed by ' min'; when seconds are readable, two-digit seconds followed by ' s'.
9 h 30 min
